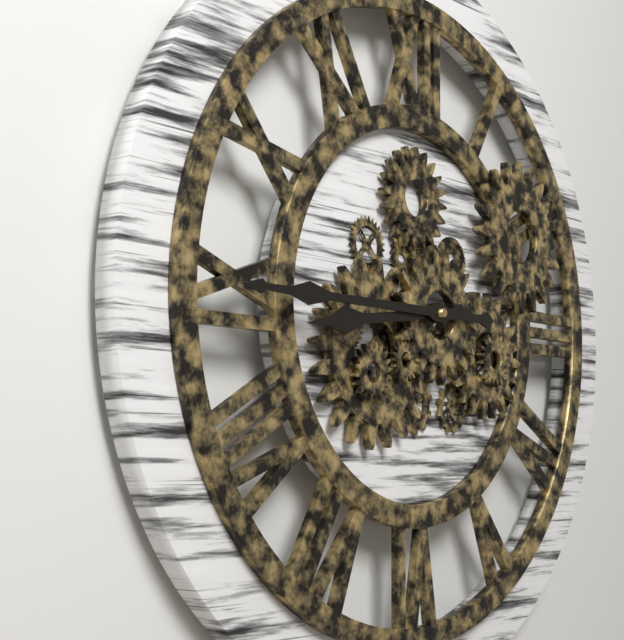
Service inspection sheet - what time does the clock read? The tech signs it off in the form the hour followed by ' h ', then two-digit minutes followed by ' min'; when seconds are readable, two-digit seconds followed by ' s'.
8 h 45 min
